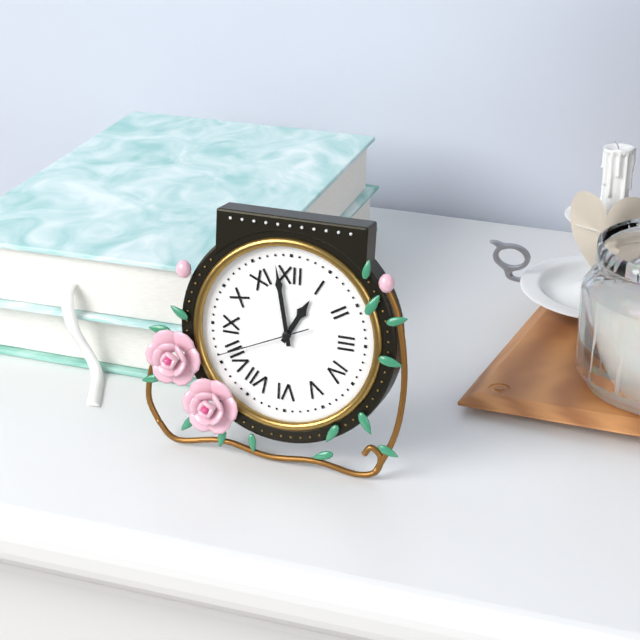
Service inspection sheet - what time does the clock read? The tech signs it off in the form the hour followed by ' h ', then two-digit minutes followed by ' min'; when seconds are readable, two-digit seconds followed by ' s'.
12 h 58 min 41 s
